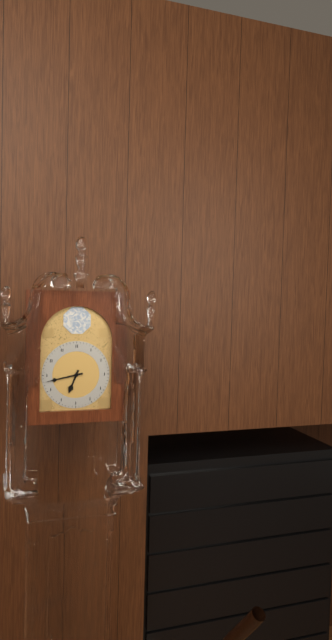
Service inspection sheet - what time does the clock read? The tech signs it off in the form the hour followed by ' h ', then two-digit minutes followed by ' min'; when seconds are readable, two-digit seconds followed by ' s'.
6 h 43 min
